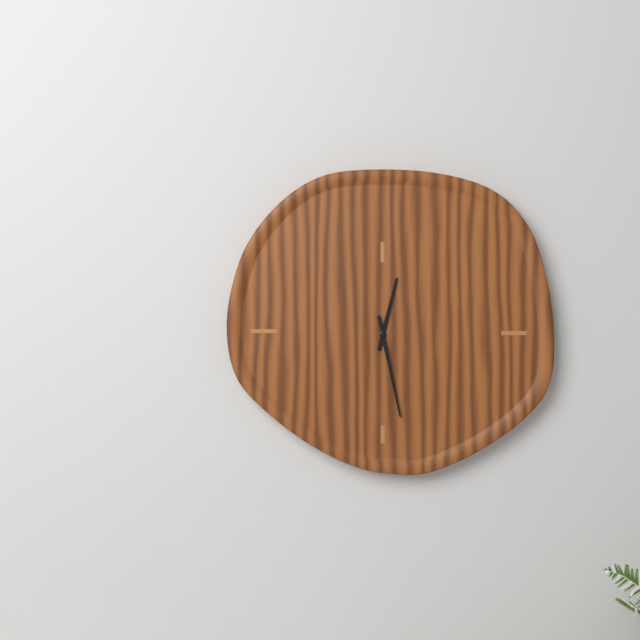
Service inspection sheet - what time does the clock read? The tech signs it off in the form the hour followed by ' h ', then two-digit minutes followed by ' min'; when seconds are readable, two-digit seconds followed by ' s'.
12 h 28 min
